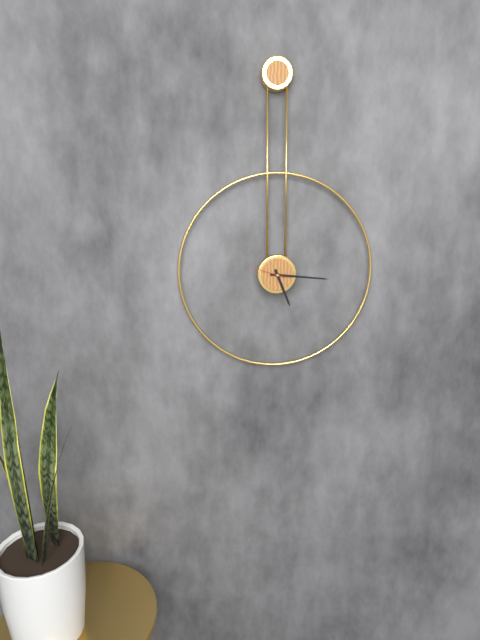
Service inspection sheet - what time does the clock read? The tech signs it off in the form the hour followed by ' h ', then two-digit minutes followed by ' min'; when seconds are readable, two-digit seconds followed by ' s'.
5 h 16 min
